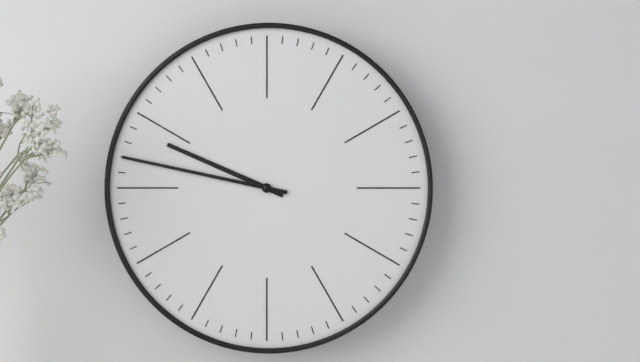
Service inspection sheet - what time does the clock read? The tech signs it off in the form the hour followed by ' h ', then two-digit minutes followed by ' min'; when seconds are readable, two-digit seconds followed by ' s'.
9 h 47 min
